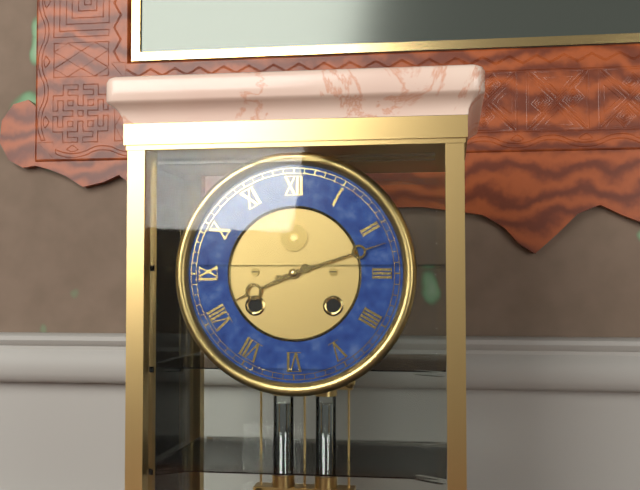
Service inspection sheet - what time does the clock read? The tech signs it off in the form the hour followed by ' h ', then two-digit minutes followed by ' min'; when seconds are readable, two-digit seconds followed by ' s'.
8 h 12 min
